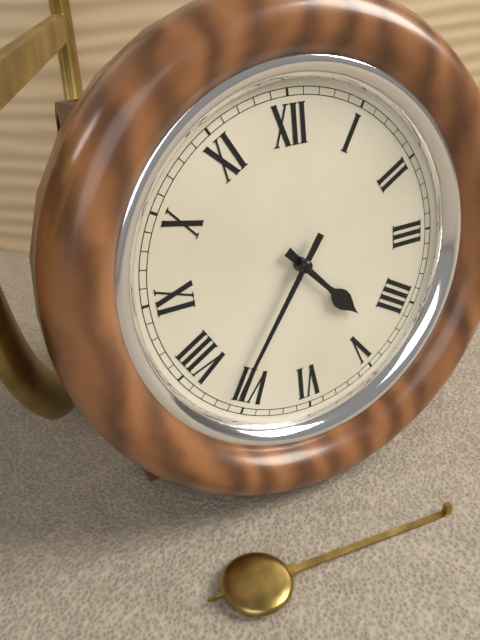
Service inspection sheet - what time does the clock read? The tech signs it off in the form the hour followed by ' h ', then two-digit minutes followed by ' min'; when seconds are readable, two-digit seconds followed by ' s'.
4 h 36 min
